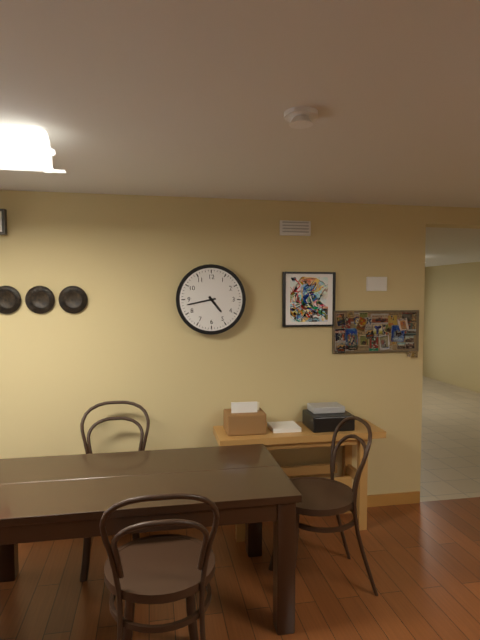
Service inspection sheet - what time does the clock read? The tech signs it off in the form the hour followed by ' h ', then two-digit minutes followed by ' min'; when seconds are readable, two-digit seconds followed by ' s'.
4 h 43 min
